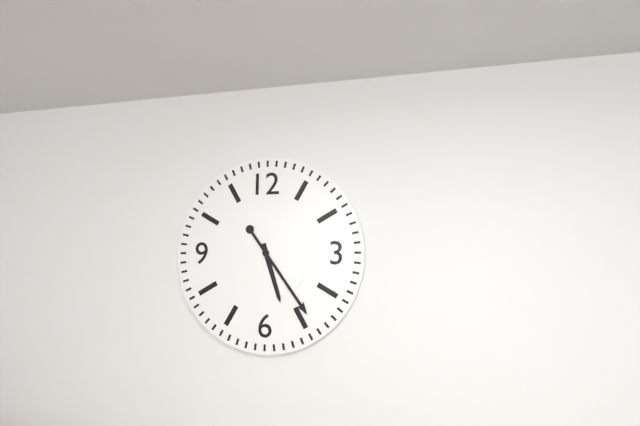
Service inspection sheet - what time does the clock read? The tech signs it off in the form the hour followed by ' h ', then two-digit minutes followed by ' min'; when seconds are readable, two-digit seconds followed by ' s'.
5 h 24 min
